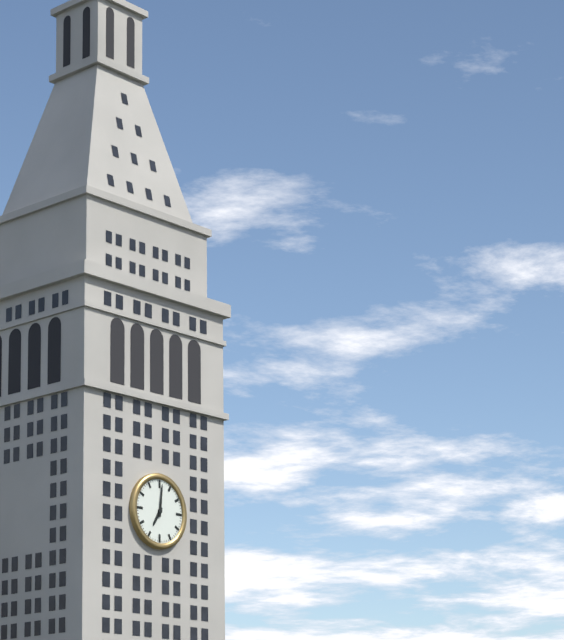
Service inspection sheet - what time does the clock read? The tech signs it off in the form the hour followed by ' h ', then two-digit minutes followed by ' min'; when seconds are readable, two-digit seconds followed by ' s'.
7 h 01 min
